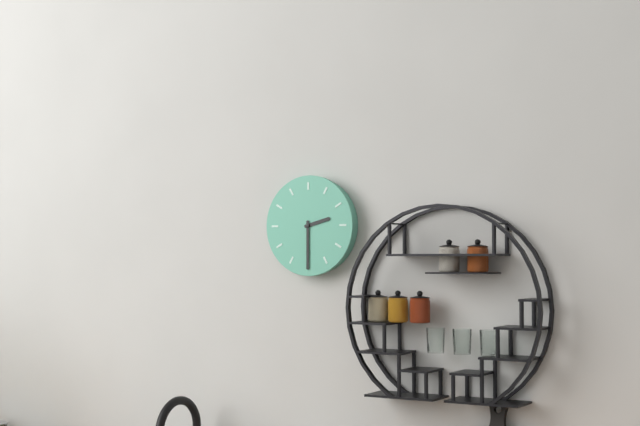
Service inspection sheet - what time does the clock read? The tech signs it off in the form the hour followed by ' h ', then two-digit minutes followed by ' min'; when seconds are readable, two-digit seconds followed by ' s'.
2 h 30 min
